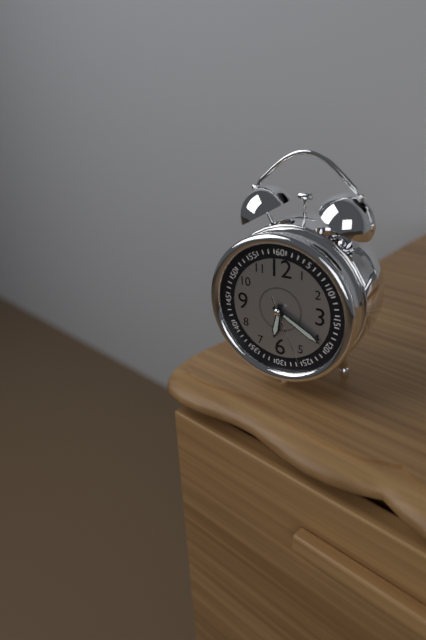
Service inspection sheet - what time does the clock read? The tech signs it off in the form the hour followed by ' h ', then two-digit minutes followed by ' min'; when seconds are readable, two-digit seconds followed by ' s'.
6 h 20 min 26 s
